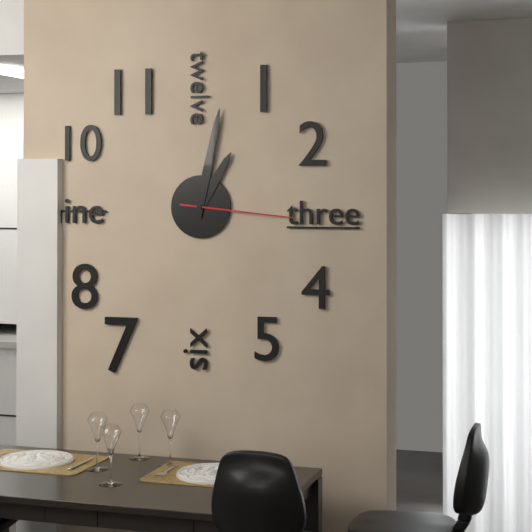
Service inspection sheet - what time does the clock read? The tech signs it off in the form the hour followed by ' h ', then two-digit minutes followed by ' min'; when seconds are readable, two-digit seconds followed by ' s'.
1 h 02 min 16 s
